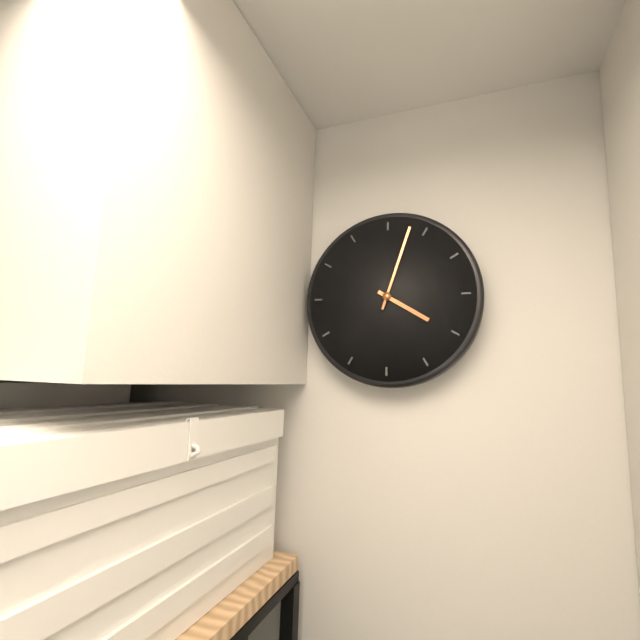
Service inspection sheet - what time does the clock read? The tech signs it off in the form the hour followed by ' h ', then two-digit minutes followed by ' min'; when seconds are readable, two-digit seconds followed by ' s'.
4 h 03 min
